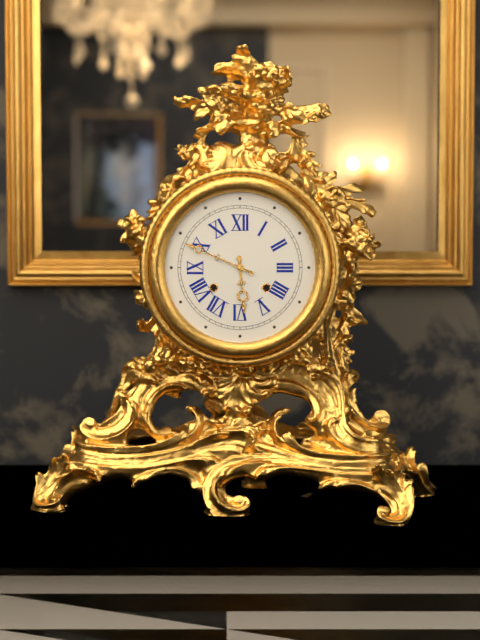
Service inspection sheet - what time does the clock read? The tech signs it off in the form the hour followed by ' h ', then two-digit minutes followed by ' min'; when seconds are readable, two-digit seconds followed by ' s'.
5 h 49 min
